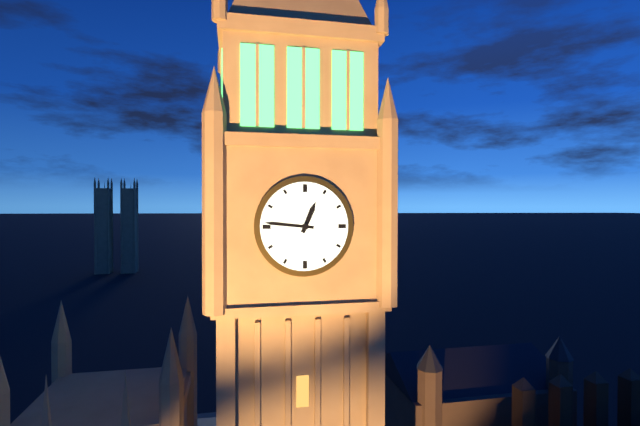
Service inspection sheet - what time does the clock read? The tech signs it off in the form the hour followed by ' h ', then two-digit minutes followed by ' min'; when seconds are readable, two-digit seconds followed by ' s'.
12 h 46 min
